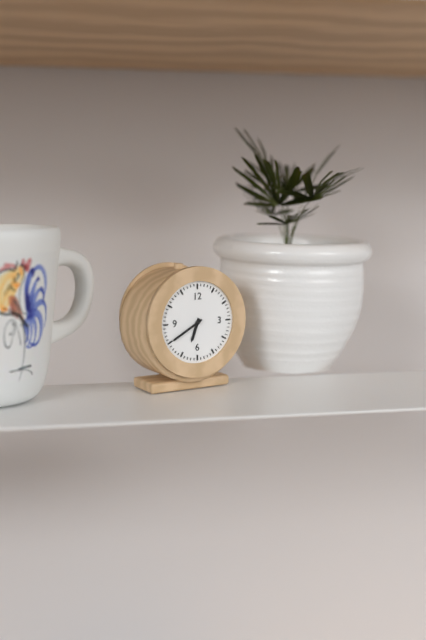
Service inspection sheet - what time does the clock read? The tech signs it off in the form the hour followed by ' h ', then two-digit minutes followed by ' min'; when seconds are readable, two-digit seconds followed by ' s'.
6 h 40 min
